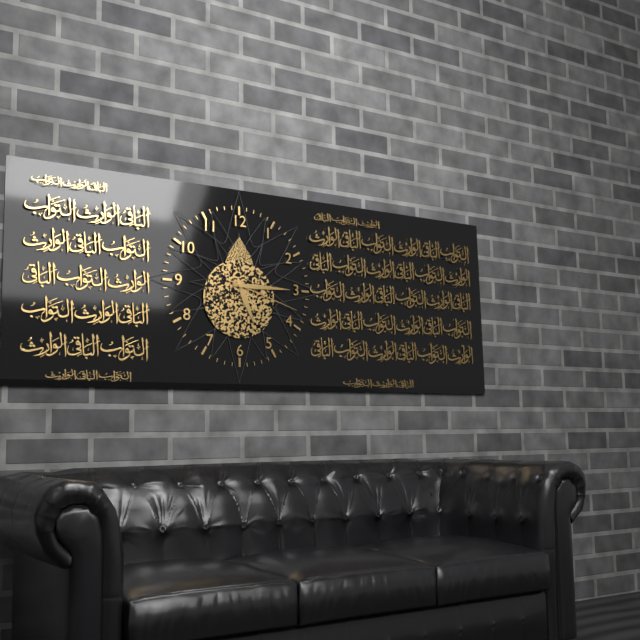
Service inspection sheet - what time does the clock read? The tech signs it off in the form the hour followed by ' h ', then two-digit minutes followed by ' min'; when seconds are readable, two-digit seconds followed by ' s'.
5 h 15 min 18 s
